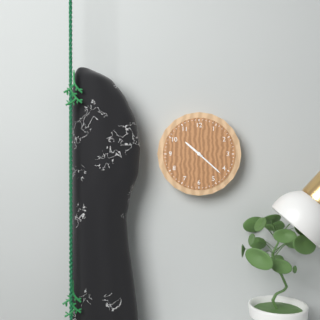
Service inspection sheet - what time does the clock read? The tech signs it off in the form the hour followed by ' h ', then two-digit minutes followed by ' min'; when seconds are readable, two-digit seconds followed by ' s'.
10 h 22 min
